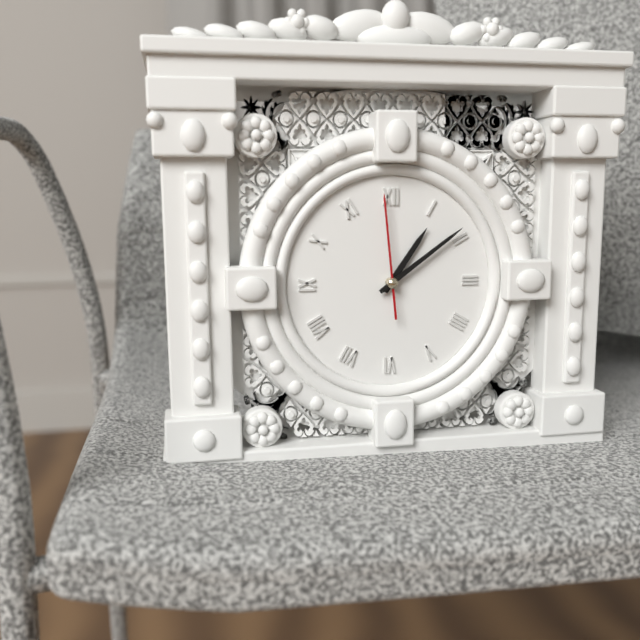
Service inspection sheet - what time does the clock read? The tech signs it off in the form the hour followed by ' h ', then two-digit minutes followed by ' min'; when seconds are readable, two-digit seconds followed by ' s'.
1 h 09 min 59 s
